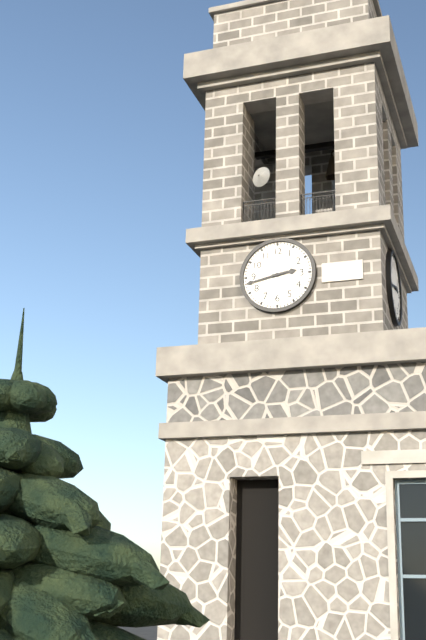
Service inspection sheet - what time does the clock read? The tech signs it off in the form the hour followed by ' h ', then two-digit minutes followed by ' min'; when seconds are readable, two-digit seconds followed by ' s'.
2 h 43 min
